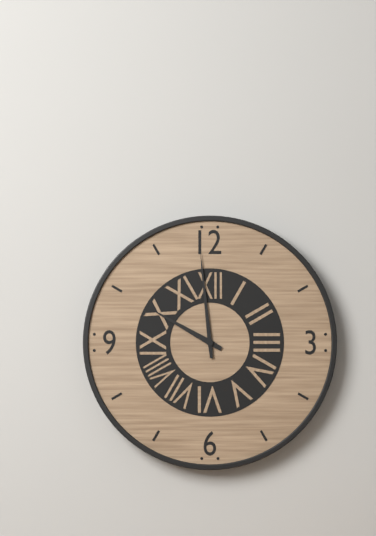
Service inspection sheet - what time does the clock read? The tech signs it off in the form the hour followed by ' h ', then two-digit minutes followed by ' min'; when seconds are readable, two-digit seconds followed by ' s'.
9 h 59 min
